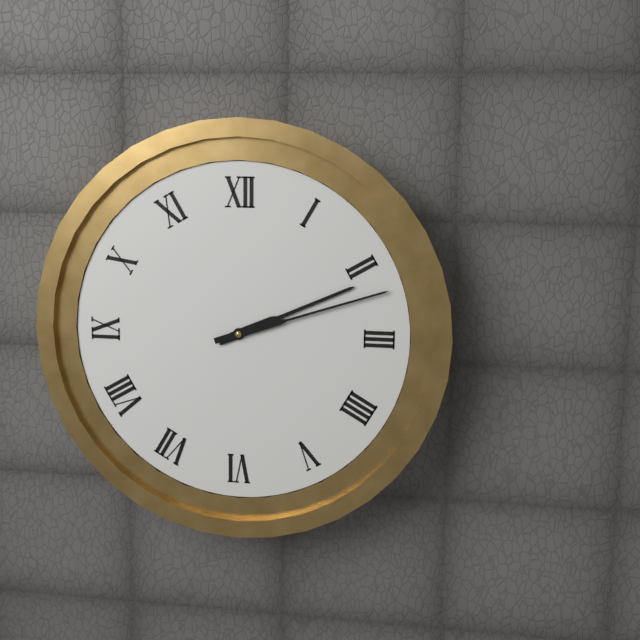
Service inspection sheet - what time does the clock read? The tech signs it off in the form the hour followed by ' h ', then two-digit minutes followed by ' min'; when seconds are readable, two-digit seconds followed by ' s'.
2 h 12 min
